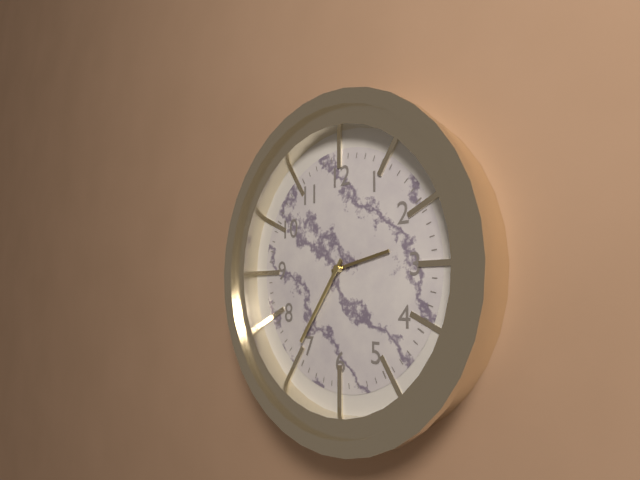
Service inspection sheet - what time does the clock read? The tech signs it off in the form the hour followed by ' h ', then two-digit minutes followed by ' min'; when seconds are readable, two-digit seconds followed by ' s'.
2 h 36 min
